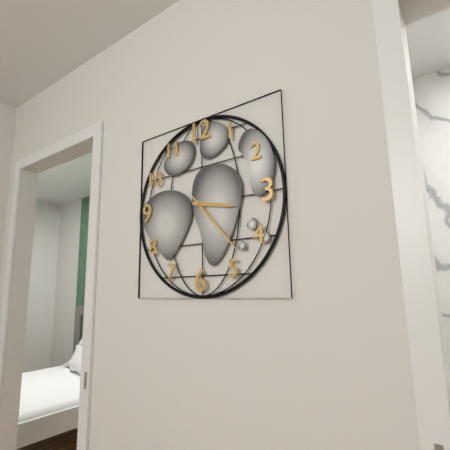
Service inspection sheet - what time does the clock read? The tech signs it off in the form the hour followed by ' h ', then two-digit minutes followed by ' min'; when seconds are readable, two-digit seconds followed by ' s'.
3 h 23 min
